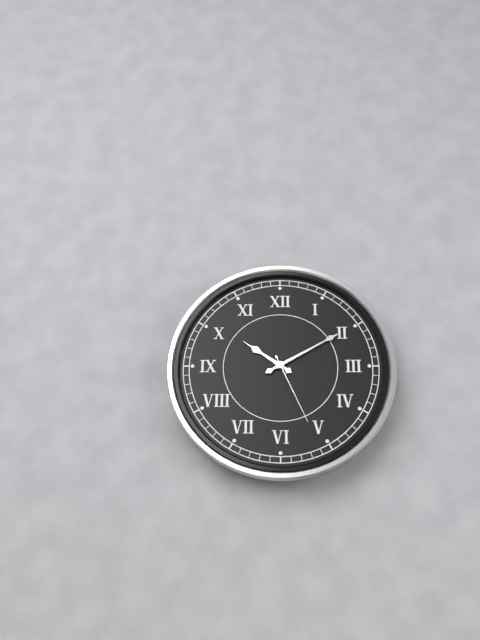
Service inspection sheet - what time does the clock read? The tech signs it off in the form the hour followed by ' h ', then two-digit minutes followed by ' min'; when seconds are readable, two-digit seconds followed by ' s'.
10 h 10 min 26 s
